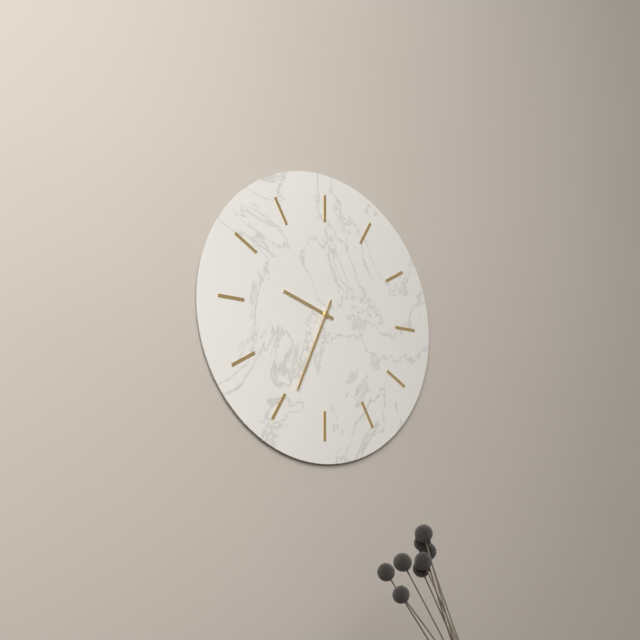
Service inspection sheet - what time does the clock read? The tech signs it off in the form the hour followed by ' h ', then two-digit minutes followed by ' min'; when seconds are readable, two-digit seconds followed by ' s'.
9 h 34 min
